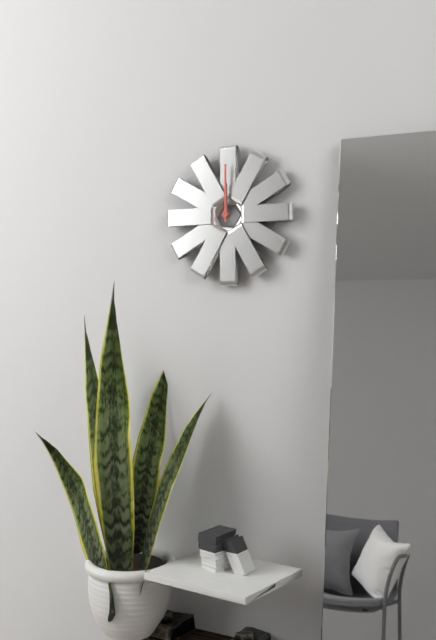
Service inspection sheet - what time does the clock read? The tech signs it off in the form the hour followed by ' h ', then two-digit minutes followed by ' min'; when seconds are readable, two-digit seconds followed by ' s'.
12 h 00 min
